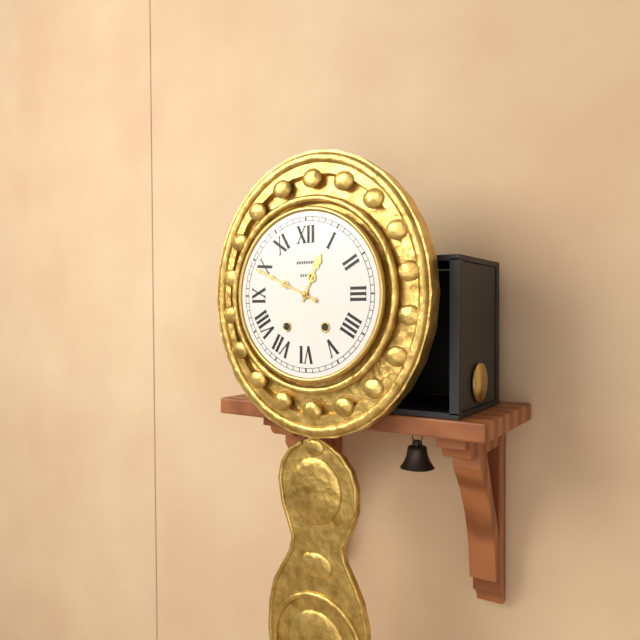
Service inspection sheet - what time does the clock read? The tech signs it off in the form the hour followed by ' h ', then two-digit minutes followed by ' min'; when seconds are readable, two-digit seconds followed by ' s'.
12 h 49 min
